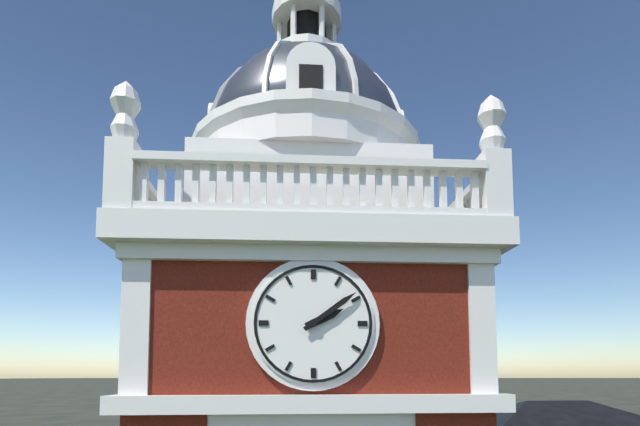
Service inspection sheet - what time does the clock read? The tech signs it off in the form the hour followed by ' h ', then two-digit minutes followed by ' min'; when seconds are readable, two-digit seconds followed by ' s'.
2 h 09 min
